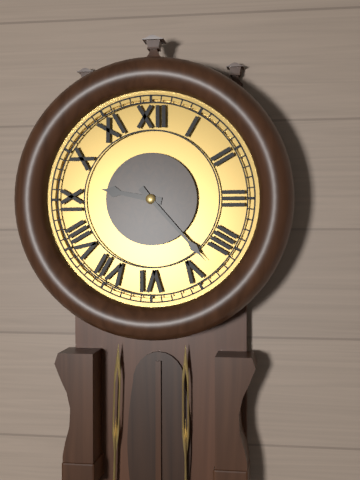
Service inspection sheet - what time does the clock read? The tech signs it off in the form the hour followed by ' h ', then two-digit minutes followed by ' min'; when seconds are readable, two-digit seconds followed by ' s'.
9 h 23 min
